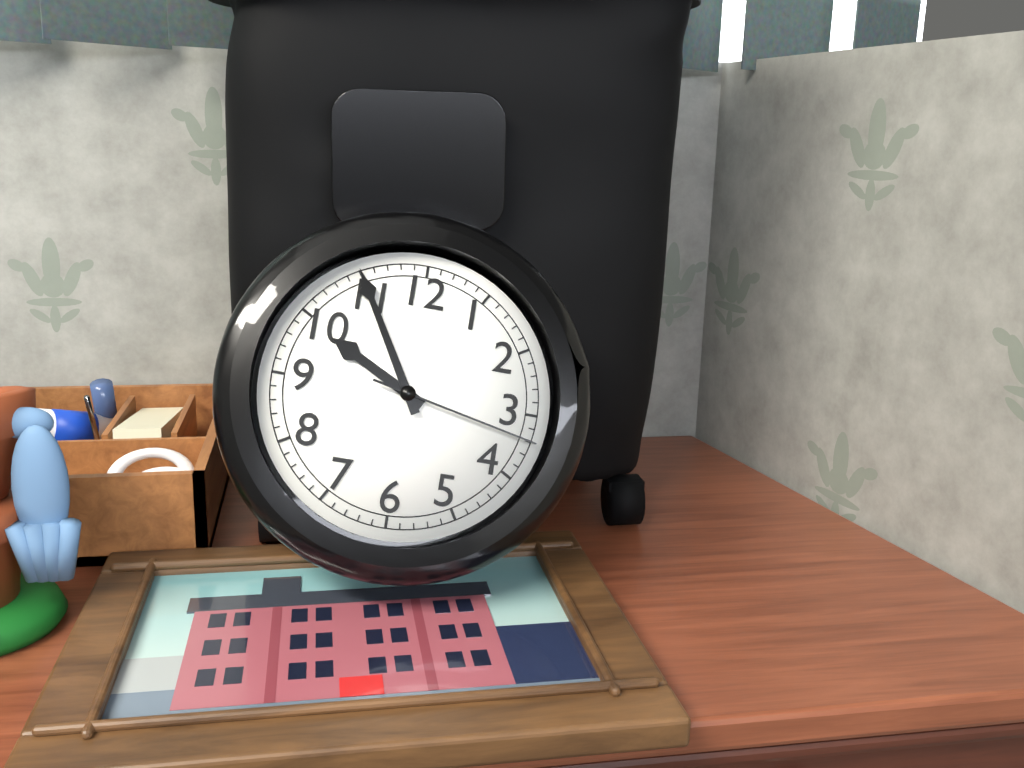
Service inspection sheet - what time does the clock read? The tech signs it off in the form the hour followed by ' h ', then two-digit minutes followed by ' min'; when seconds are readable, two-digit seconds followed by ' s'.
9 h 55 min 17 s
